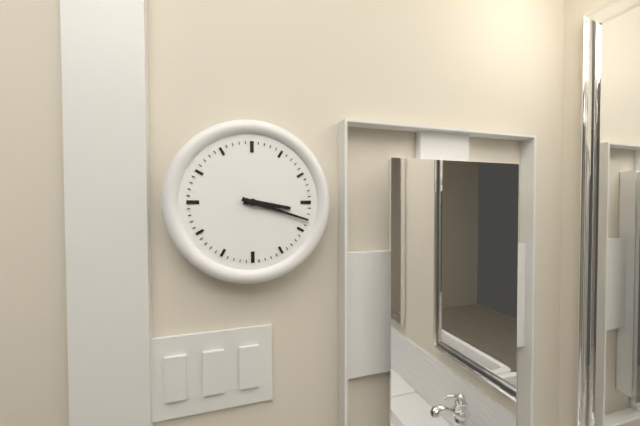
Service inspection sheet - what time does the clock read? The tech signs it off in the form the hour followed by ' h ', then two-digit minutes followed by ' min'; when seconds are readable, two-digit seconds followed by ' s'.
3 h 18 min
